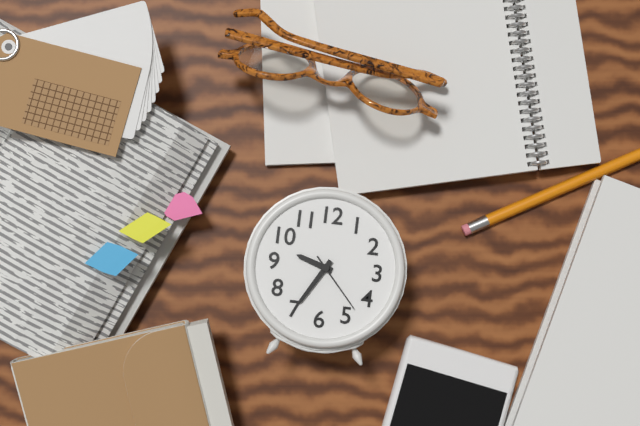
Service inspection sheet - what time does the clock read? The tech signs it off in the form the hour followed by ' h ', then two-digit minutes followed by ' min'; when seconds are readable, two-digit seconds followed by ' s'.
9 h 35 min 23 s
